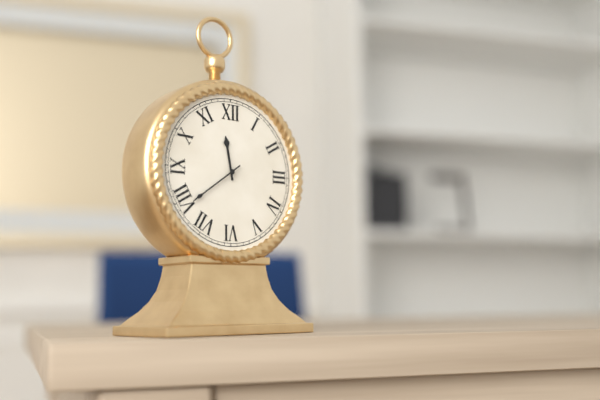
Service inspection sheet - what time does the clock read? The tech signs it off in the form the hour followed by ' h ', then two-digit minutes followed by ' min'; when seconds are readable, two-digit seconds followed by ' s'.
11 h 39 min
